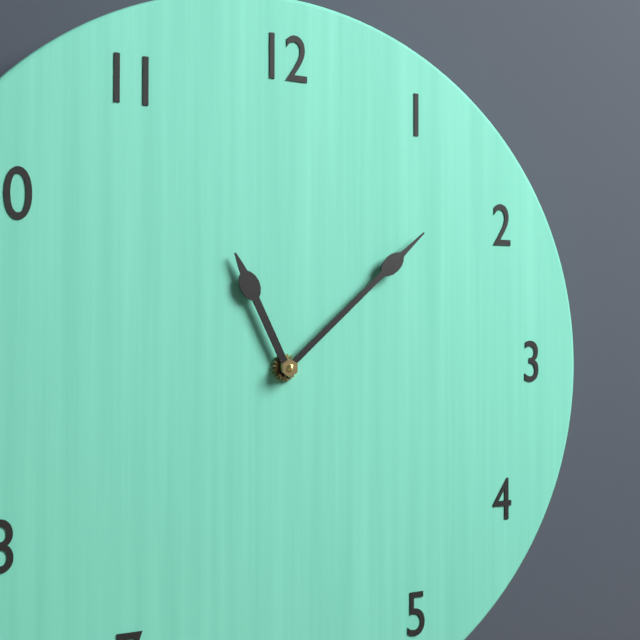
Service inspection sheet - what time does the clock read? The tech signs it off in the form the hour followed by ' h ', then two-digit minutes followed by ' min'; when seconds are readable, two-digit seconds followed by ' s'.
11 h 08 min
